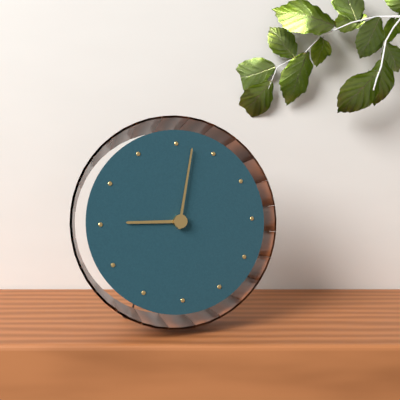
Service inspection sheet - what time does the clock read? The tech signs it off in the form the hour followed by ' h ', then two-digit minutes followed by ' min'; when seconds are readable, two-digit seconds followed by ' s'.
9 h 02 min
